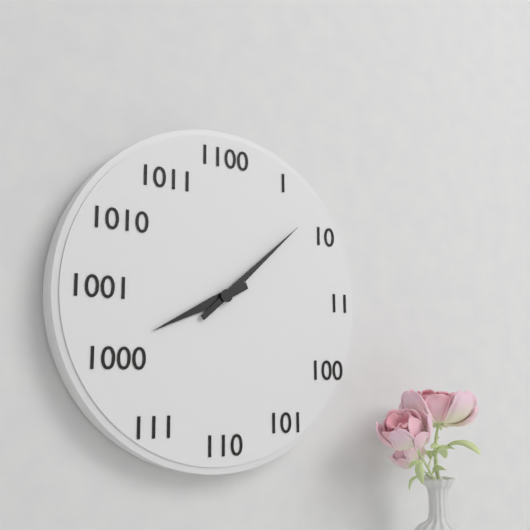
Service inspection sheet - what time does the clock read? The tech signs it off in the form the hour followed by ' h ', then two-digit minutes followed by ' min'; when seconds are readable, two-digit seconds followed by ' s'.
8 h 08 min
